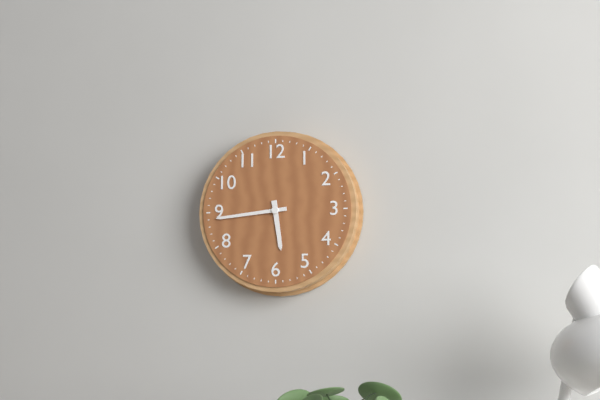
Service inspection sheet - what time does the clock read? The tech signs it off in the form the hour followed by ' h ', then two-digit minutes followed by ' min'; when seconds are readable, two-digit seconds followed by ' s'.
5 h 44 min
